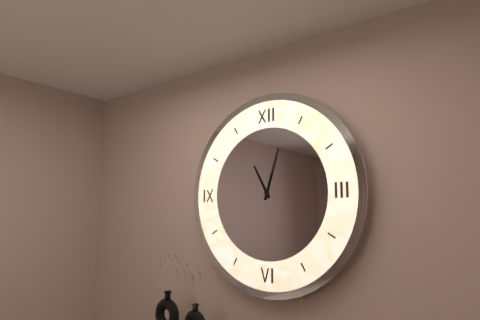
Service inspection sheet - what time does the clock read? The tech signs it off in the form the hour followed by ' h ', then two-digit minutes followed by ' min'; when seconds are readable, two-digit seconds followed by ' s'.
11 h 03 min
